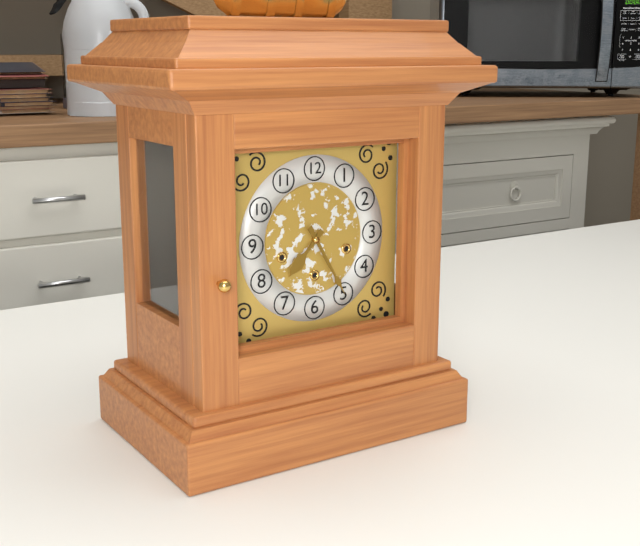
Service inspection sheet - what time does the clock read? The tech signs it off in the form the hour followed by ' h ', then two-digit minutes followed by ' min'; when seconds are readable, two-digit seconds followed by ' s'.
7 h 25 min
